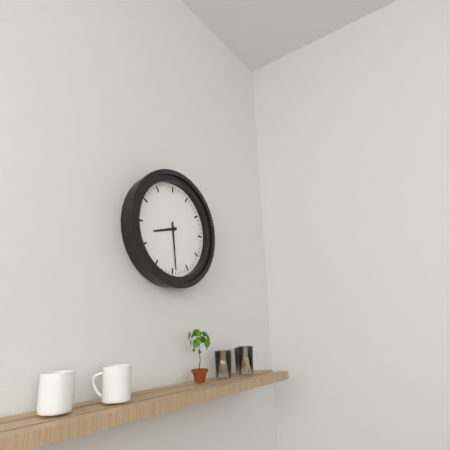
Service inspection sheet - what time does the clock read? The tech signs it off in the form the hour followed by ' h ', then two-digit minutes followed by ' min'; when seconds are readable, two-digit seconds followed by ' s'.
8 h 29 min
